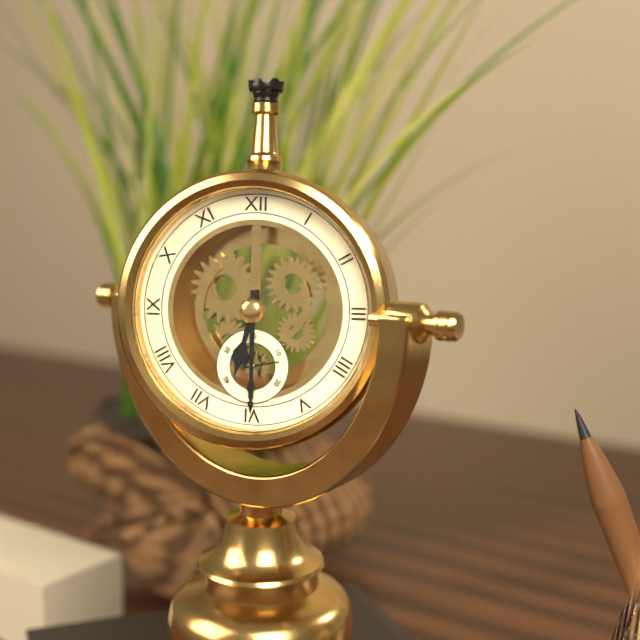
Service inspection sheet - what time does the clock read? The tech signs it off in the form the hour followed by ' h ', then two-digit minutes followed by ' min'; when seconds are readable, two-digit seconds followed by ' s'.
6 h 30 min
